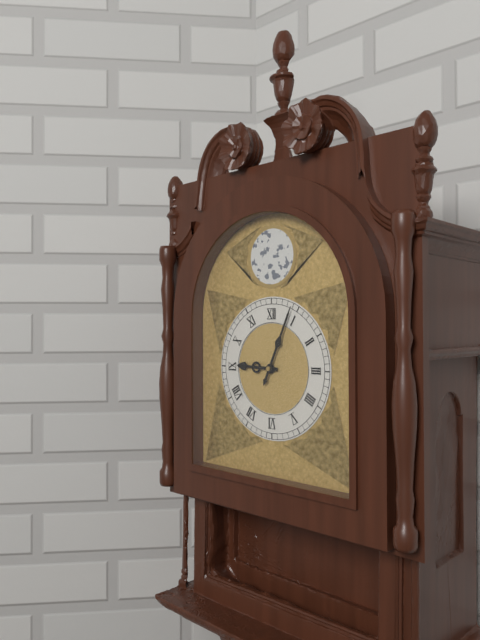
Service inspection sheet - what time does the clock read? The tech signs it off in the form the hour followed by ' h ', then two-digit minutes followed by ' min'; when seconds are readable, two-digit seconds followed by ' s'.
9 h 04 min
